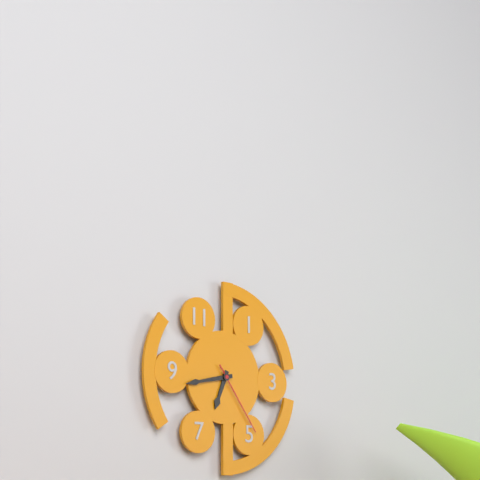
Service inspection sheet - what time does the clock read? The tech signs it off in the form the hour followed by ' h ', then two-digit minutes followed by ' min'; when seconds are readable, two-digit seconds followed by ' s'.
6 h 43 min 24 s
